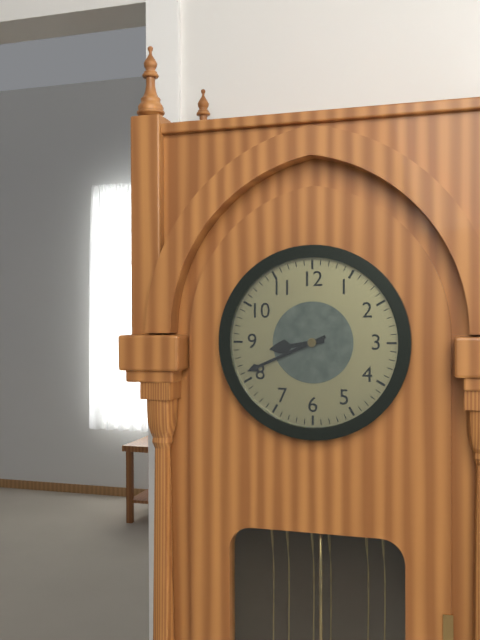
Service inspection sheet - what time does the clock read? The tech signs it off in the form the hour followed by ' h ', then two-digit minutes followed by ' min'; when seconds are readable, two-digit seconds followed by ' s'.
8 h 41 min
